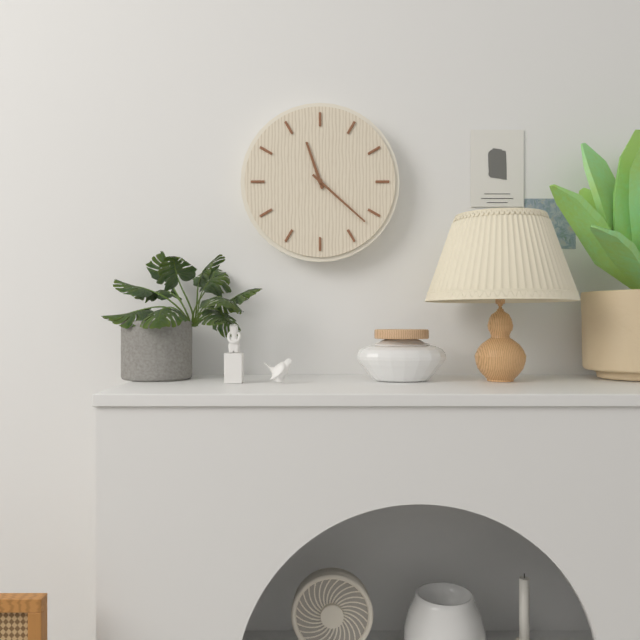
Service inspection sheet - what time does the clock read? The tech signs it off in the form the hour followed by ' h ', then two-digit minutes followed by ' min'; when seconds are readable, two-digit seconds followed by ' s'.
11 h 22 min
